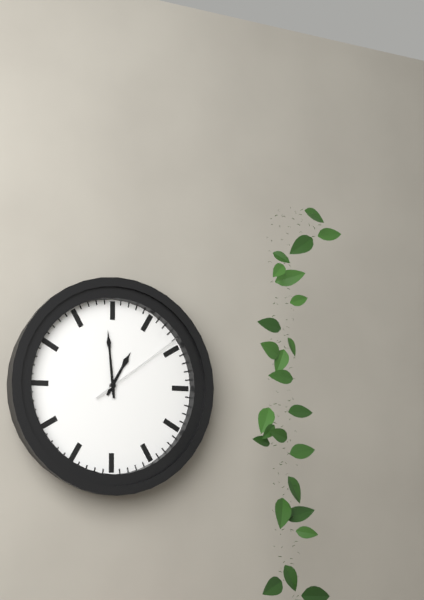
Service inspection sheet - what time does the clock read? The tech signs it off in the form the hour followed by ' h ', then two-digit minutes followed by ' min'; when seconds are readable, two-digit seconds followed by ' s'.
12 h 59 min 09 s
